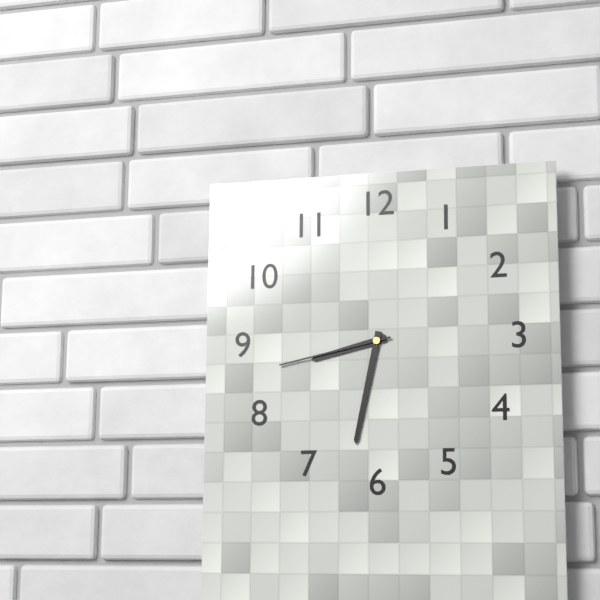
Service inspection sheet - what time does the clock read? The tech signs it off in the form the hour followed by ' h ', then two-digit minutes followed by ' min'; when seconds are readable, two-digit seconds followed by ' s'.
8 h 32 min 43 s
